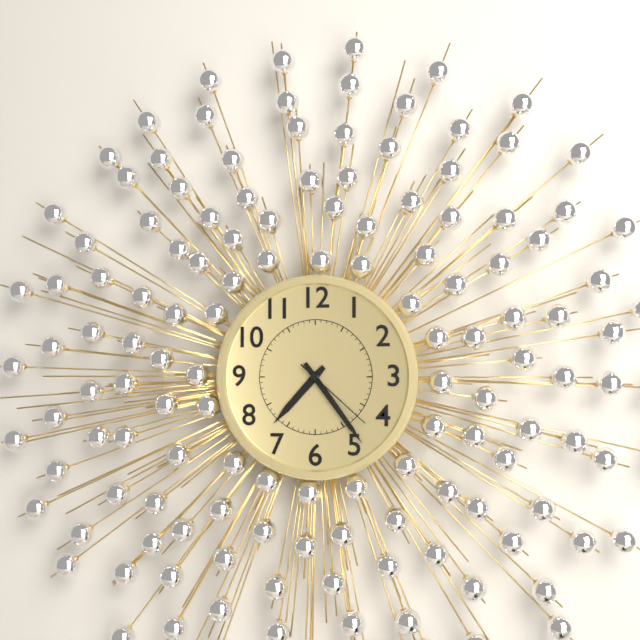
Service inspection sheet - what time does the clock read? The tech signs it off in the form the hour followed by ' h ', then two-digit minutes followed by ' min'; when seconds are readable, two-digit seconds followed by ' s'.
7 h 24 min 22 s
